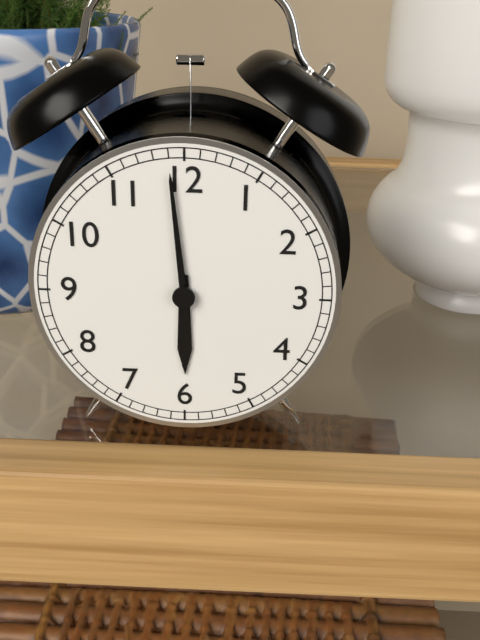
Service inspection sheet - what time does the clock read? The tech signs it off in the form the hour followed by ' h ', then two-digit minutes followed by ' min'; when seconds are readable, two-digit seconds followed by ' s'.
5 h 59 min
